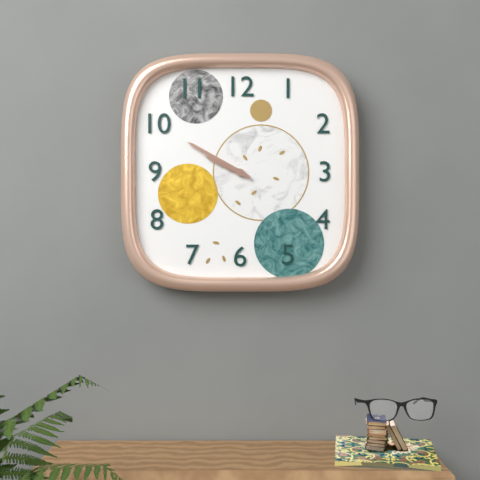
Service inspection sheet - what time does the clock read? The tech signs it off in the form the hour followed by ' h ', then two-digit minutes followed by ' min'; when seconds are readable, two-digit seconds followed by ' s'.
9 h 50 min
